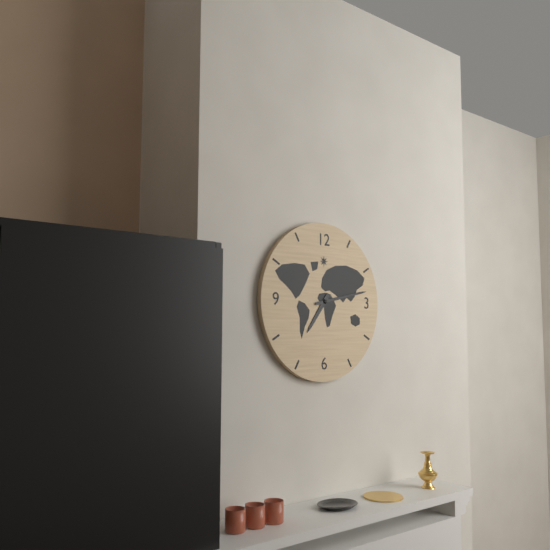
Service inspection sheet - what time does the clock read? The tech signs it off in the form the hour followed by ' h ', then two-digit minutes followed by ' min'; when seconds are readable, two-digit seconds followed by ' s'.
7 h 13 min
